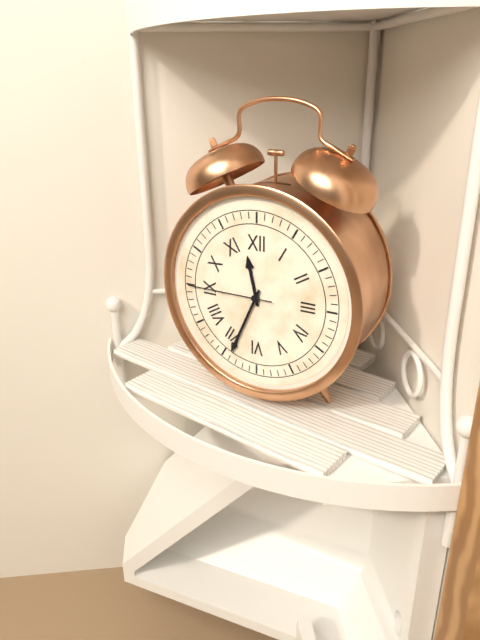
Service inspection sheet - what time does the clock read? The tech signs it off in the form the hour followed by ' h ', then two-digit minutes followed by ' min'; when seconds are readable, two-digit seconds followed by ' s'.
11 h 34 min 45 s
